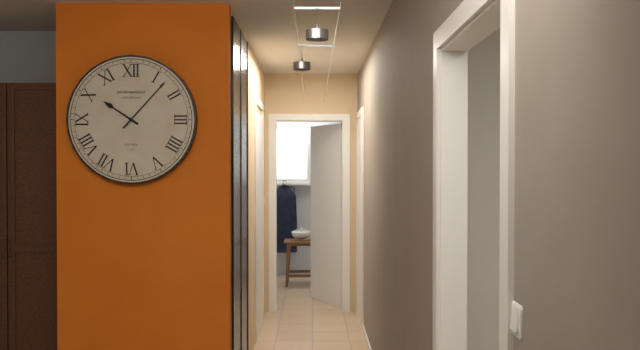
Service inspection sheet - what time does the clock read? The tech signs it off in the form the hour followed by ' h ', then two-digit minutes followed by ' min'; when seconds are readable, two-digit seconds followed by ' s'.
10 h 07 min
